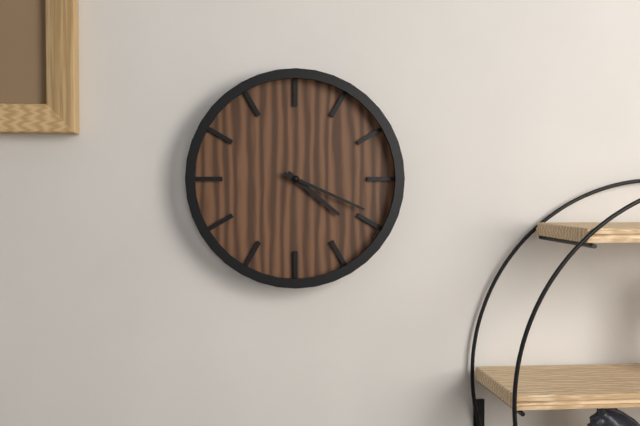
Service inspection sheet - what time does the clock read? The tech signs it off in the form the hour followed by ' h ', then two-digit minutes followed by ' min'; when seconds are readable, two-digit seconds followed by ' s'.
4 h 19 min
